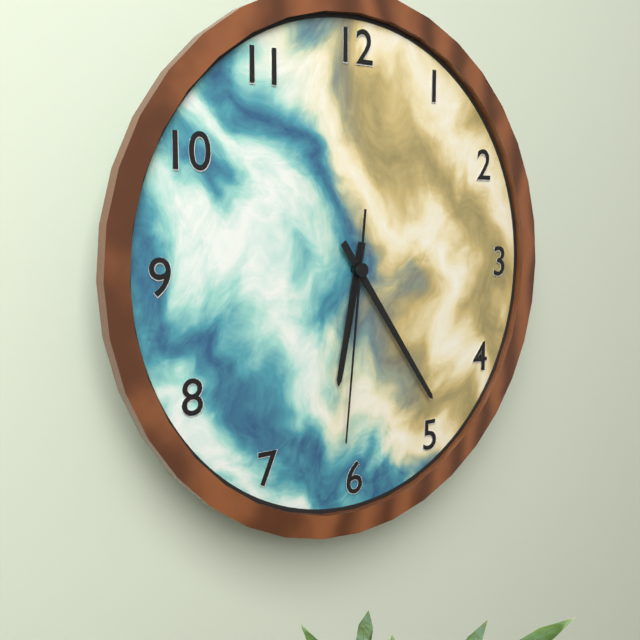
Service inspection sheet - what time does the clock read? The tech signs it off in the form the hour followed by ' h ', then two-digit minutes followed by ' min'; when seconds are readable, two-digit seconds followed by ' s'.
6 h 24 min 31 s
